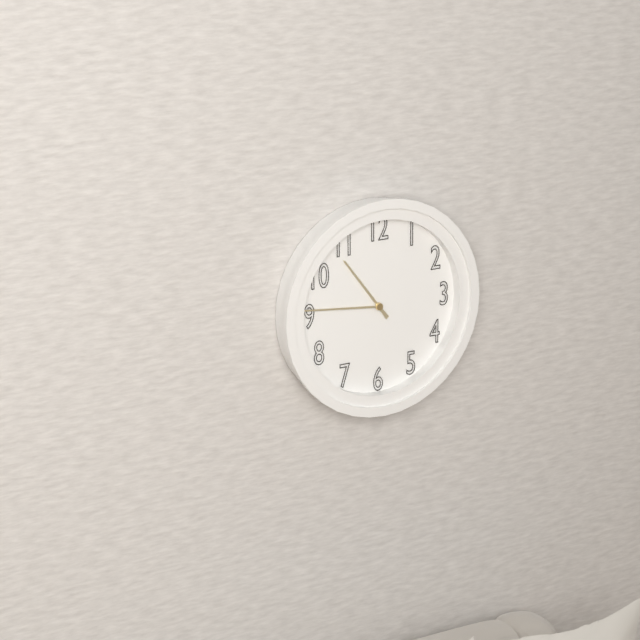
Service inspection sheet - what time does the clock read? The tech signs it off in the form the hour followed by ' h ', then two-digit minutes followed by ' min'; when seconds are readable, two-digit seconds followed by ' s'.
10 h 46 min
